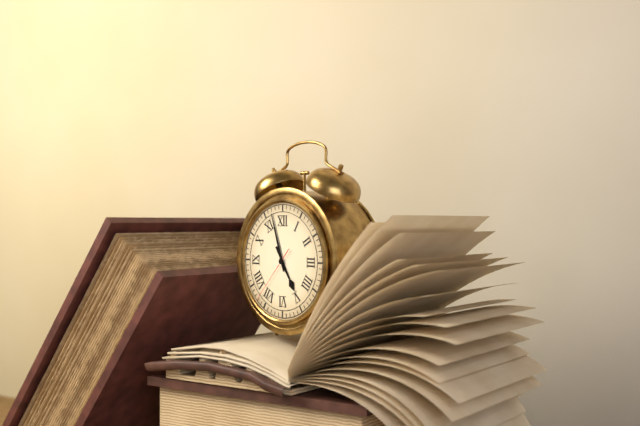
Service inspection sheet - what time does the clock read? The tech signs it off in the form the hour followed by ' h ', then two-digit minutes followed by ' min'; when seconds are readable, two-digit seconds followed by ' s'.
4 h 57 min 37 s
